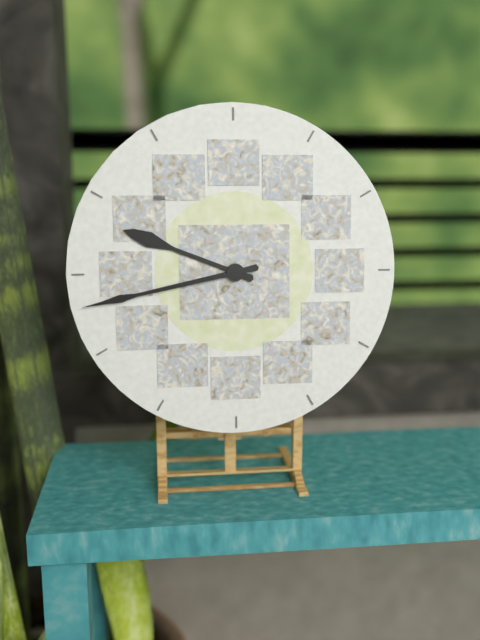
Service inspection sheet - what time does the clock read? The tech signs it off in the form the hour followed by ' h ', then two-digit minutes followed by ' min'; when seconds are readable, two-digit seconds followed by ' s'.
9 h 43 min
